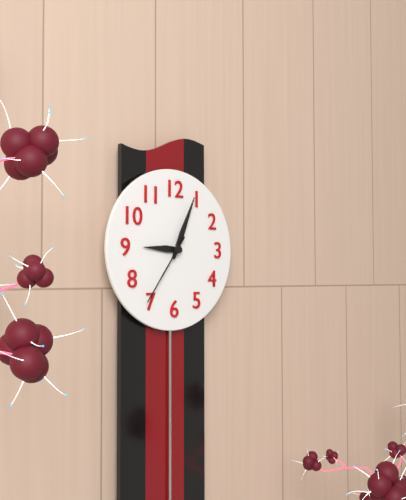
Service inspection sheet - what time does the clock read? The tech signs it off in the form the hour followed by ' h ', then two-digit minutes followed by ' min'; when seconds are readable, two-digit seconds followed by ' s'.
9 h 04 min 36 s
